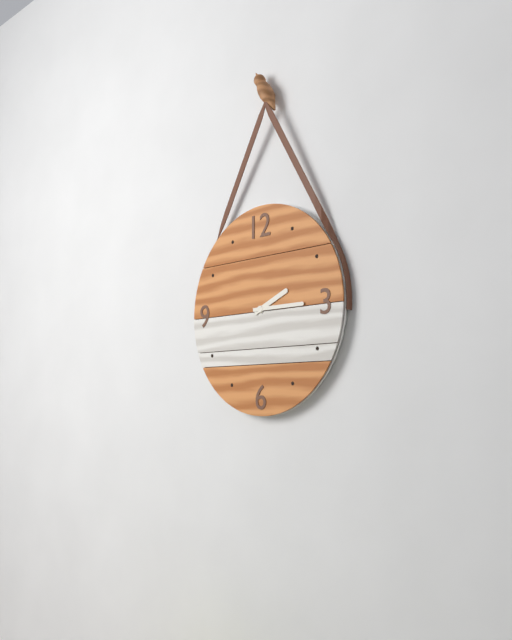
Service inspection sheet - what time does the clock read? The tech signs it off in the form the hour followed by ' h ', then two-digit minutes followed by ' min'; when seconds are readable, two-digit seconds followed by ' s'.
2 h 15 min
